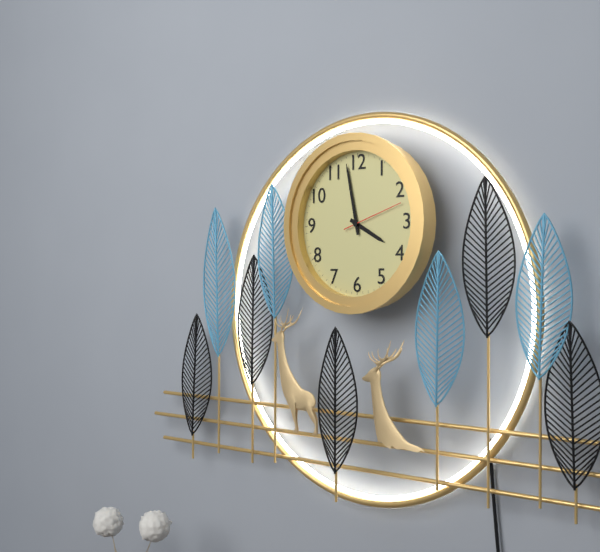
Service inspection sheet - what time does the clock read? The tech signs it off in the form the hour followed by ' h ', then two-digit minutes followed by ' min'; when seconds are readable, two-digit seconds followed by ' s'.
3 h 58 min 12 s
